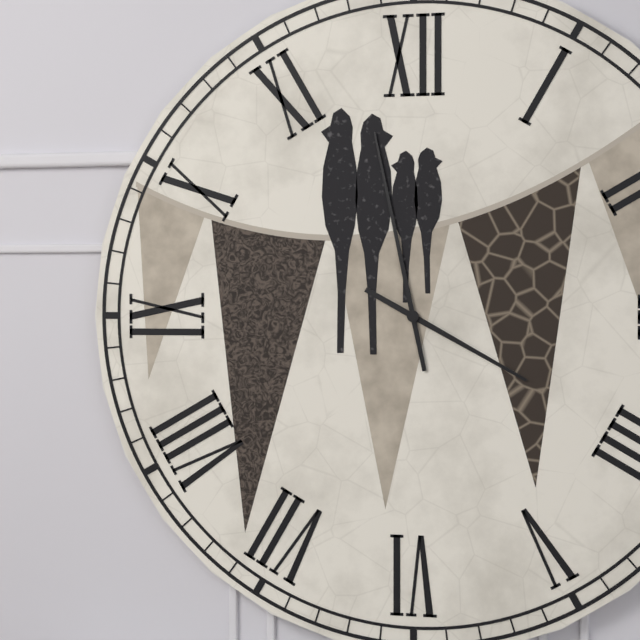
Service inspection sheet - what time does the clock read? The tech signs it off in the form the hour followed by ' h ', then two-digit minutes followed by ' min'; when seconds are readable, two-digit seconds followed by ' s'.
3 h 58 min
